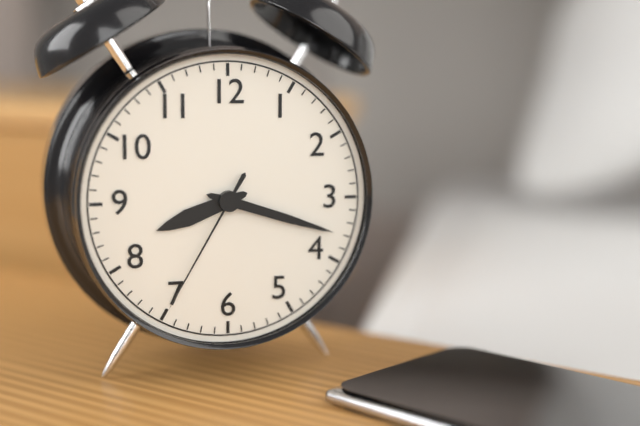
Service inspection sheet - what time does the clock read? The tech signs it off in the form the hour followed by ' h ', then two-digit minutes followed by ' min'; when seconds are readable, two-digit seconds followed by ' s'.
8 h 18 min 35 s
